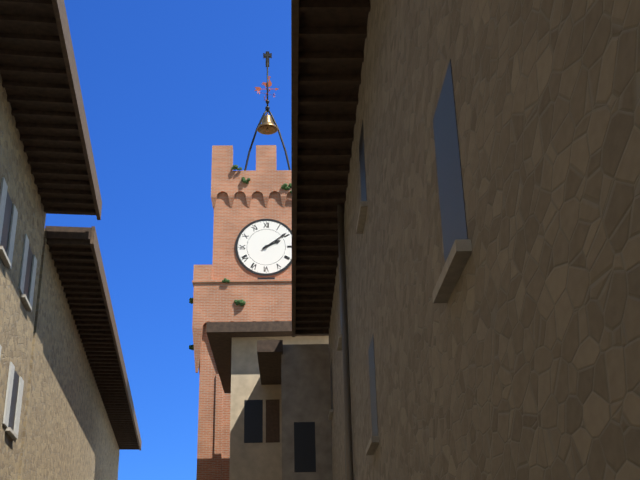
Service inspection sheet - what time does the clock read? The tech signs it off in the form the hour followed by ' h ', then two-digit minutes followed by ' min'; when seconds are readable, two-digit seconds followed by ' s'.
2 h 09 min
